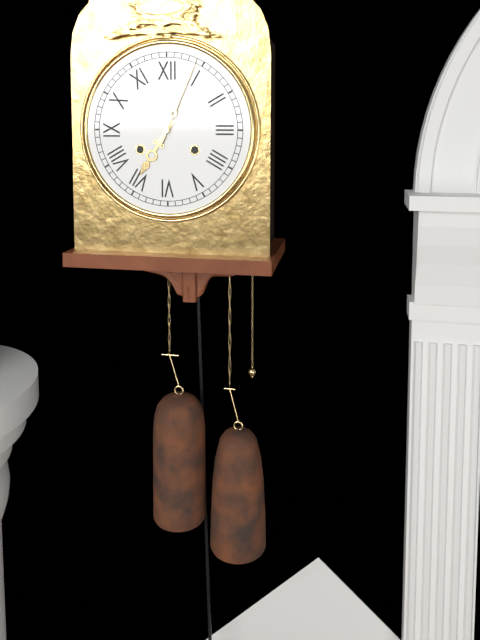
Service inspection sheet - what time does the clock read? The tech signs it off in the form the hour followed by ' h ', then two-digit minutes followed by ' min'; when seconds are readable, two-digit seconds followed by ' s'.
7 h 04 min
